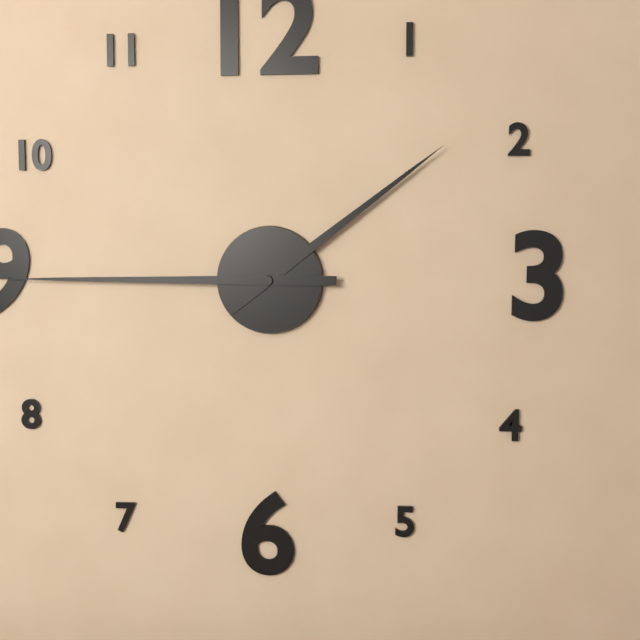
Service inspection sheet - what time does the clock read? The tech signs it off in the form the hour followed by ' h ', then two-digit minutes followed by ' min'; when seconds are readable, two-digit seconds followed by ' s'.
1 h 45 min
